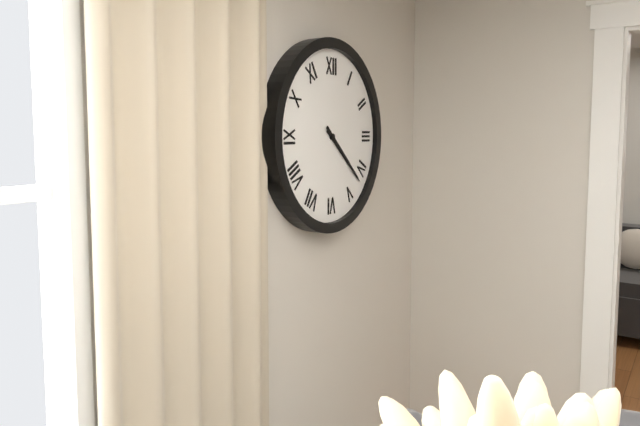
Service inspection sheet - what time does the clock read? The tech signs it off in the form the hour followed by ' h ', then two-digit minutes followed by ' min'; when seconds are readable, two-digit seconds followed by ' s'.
4 h 22 min
